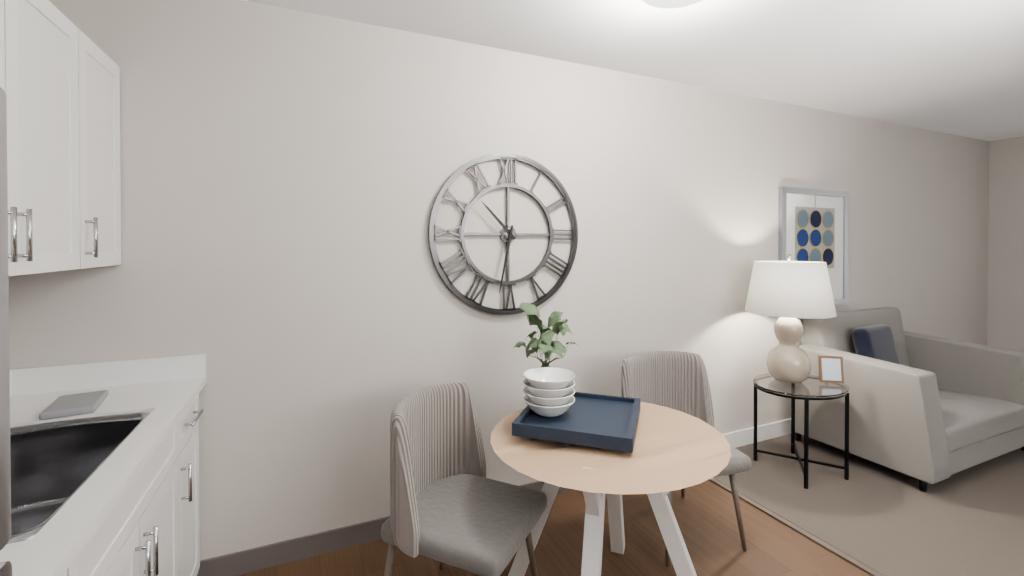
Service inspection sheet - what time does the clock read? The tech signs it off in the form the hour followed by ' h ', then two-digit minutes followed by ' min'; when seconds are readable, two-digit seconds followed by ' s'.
10 h 32 min
